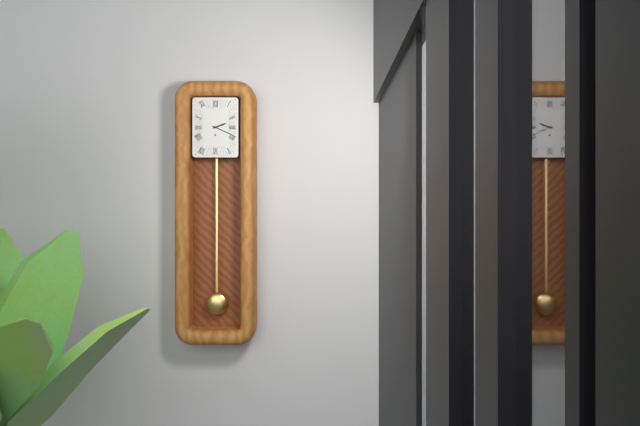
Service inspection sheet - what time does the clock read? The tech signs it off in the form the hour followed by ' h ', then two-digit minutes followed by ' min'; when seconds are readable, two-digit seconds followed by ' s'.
2 h 19 min
